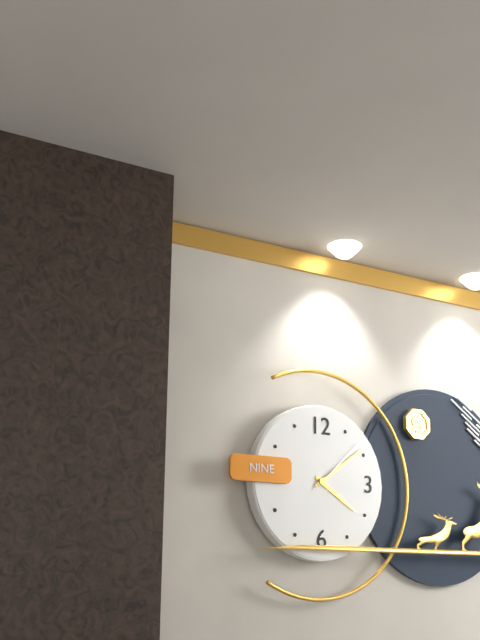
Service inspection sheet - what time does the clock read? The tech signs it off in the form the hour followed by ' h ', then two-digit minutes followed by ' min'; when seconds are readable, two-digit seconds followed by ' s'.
4 h 09 min 08 s
